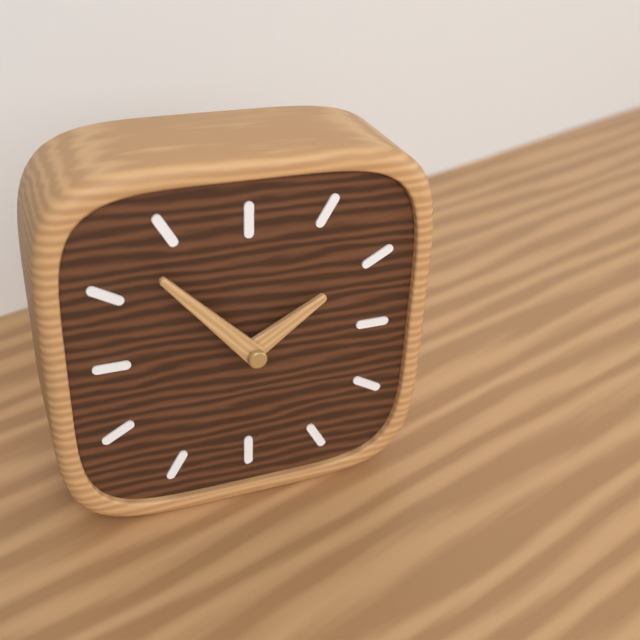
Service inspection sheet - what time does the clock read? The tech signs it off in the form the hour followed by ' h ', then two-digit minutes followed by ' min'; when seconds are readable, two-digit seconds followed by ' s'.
1 h 53 min
